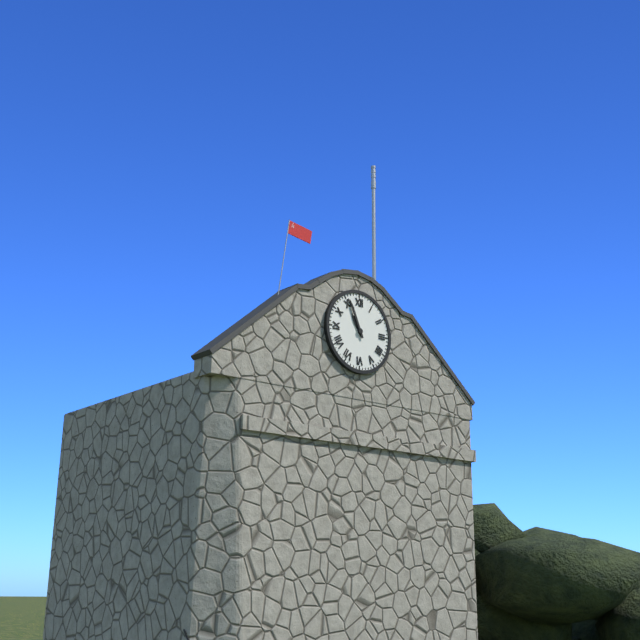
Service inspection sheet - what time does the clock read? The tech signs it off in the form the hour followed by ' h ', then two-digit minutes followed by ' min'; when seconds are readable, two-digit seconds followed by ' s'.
10 h 56 min
